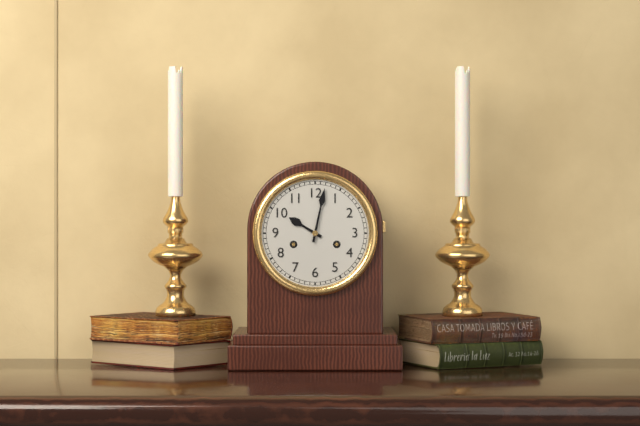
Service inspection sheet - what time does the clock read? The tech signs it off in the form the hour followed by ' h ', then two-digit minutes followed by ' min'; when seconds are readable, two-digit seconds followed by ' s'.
10 h 02 min
